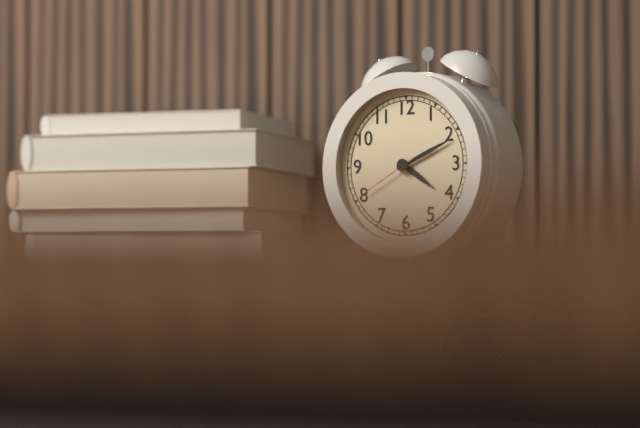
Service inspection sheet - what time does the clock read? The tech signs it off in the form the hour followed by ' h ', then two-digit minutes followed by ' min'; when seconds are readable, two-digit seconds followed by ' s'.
4 h 11 min 40 s
